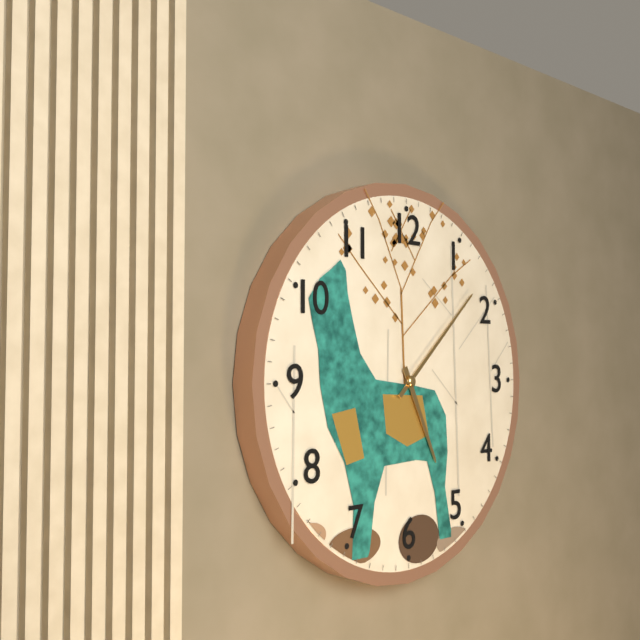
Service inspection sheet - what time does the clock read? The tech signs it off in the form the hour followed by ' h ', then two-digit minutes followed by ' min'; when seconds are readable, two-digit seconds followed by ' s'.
5 h 08 min
